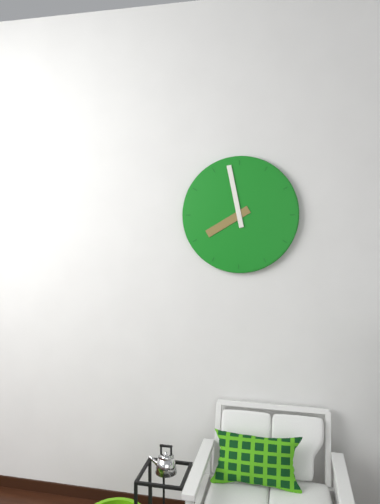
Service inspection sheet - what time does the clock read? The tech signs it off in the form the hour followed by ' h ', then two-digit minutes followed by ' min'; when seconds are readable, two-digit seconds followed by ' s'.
7 h 58 min
